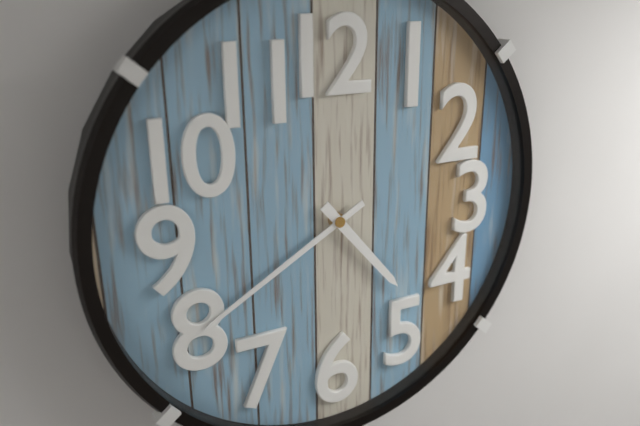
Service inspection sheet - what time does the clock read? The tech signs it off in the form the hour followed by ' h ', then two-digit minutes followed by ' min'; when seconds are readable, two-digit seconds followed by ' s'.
4 h 40 min
